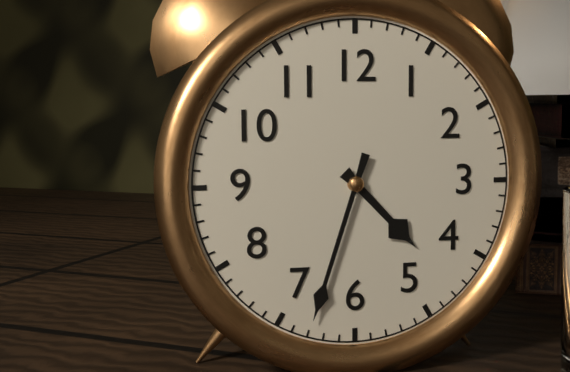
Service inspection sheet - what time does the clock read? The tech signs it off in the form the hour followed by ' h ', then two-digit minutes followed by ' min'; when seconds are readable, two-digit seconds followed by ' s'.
4 h 33 min
